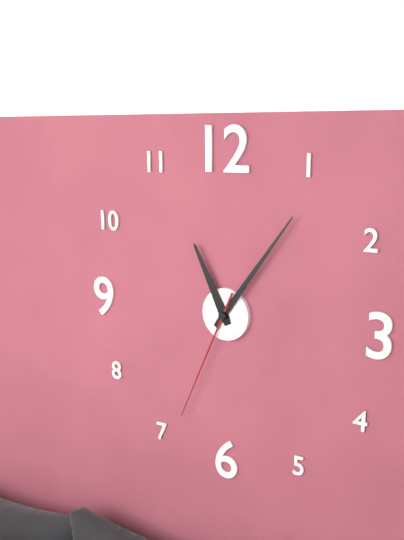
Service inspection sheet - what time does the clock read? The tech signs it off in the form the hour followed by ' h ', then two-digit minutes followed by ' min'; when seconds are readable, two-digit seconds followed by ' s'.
11 h 06 min 34 s
